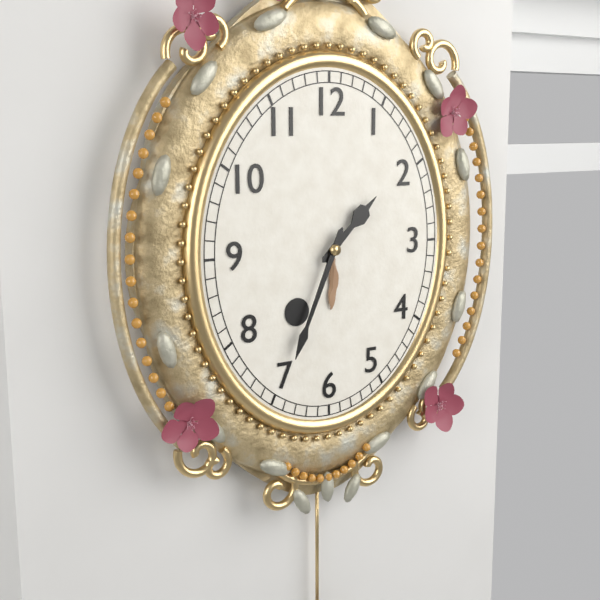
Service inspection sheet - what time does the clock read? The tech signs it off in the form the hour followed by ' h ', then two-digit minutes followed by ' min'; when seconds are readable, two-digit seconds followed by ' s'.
1 h 34 min
